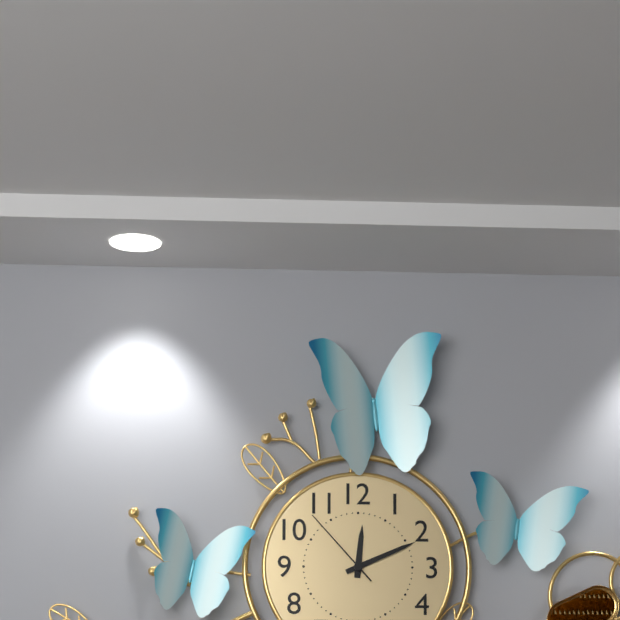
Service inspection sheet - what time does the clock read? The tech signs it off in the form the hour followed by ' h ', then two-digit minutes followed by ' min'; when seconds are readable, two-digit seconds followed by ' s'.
12 h 11 min 53 s
